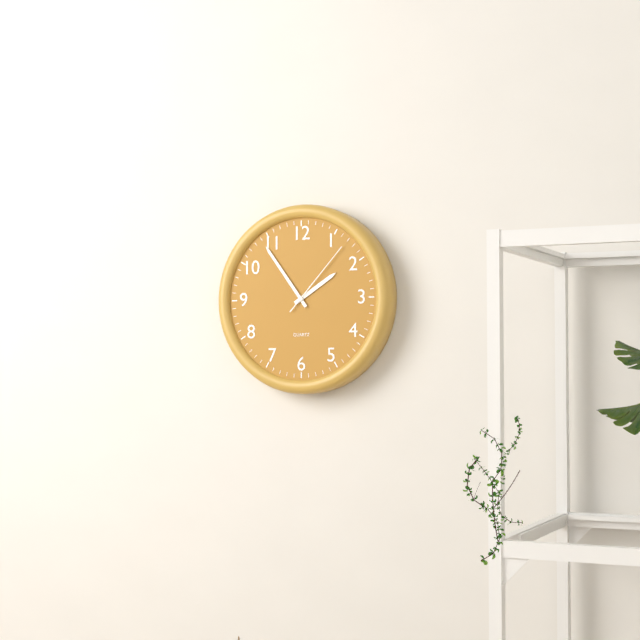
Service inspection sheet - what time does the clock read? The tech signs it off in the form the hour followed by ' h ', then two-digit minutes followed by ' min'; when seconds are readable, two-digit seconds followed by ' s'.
1 h 54 min 07 s
